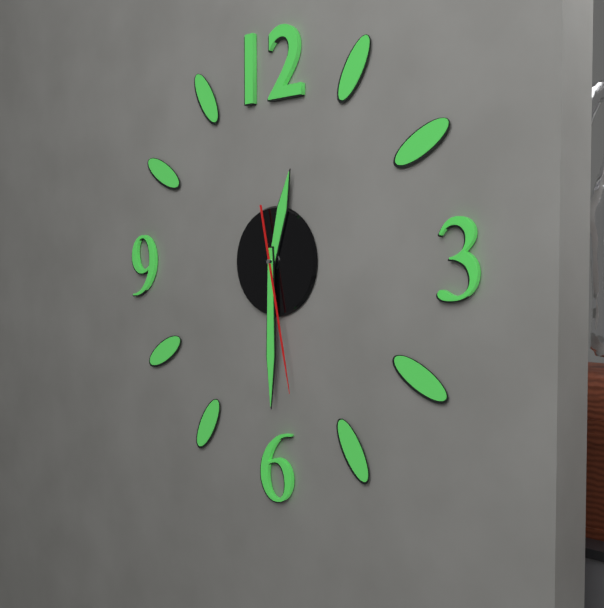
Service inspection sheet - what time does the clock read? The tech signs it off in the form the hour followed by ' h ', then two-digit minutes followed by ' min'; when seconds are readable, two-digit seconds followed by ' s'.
12 h 30 min 28 s
